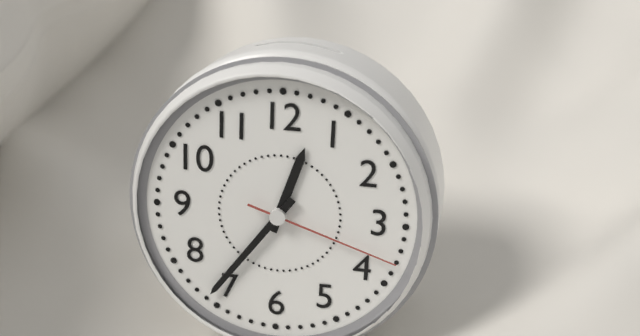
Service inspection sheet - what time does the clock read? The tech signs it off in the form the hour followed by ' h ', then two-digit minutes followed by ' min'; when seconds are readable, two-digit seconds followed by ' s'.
12 h 36 min 18 s
